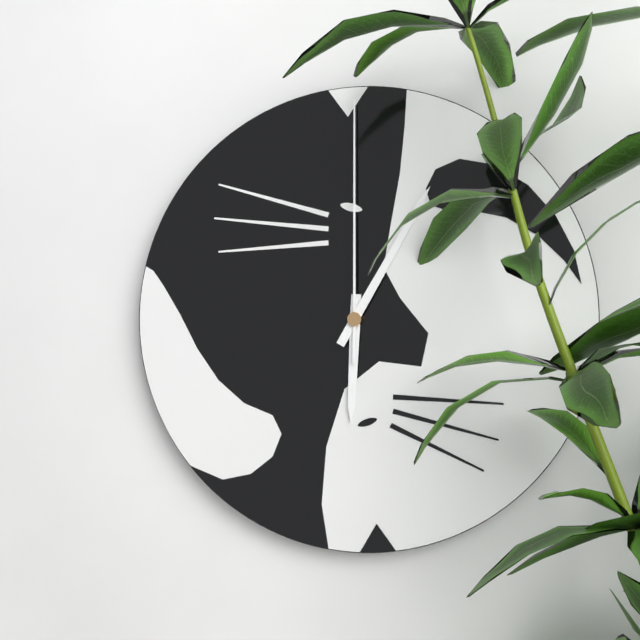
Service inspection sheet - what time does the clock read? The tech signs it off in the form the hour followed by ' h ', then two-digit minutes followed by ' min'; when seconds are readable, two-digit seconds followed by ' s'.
6 h 05 min 00 s
